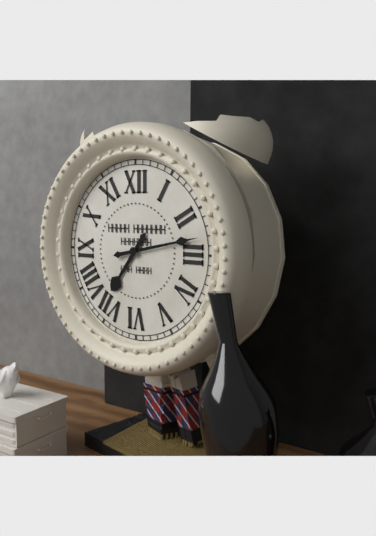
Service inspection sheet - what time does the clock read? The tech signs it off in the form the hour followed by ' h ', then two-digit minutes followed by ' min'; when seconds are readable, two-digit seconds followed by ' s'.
7 h 13 min
